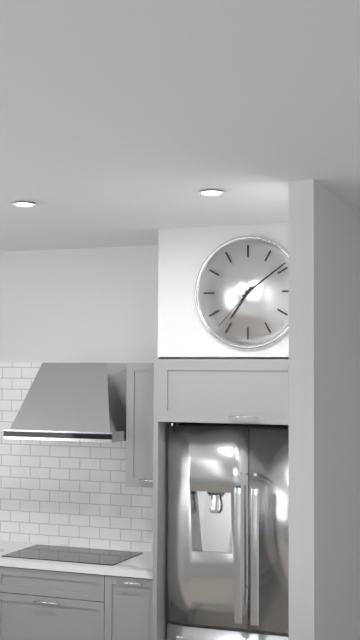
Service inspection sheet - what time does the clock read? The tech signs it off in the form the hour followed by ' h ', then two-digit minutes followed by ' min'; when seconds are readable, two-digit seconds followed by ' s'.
7 h 09 min 37 s
